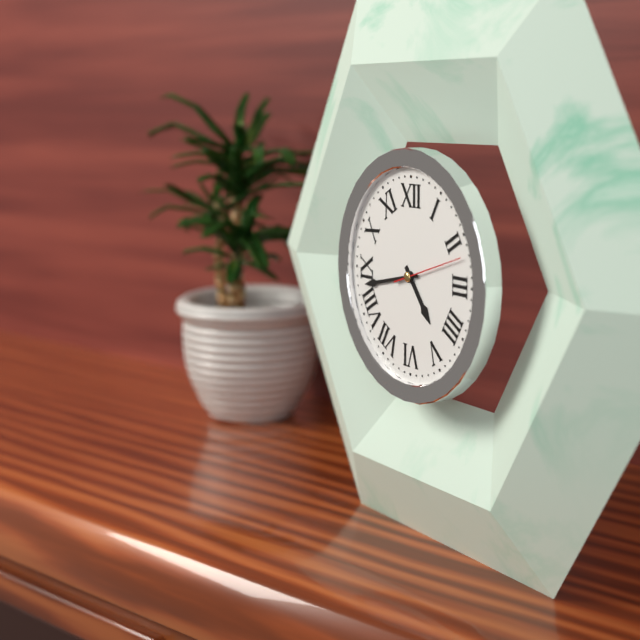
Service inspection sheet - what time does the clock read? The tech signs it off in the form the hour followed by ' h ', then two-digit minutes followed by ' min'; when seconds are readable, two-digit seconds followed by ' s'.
4 h 43 min 12 s
